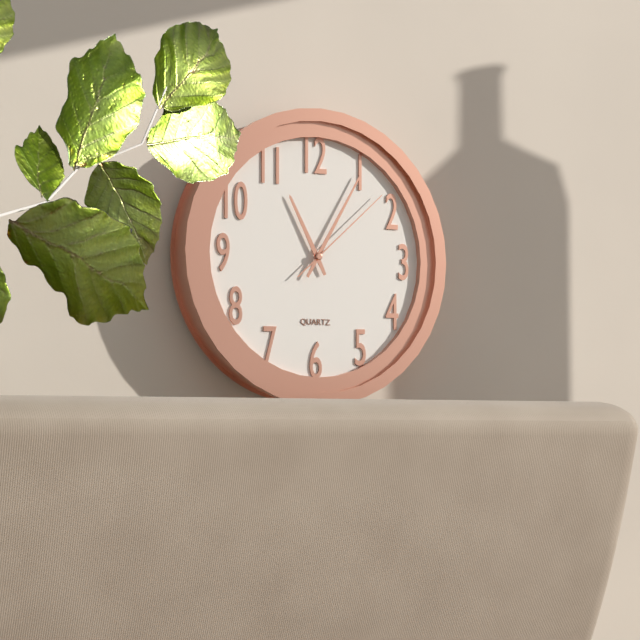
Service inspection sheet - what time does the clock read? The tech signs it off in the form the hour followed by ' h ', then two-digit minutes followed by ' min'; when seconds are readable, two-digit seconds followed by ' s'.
11 h 05 min 08 s
